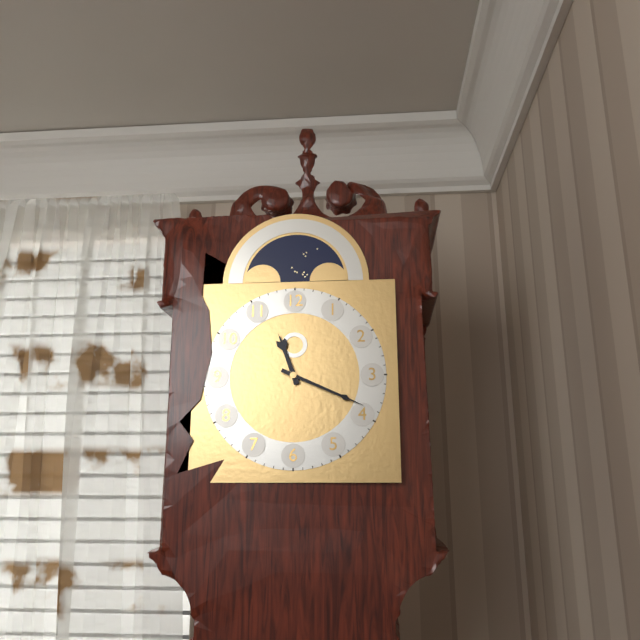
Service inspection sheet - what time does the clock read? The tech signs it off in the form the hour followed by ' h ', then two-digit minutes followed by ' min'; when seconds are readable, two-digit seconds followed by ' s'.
11 h 19 min
